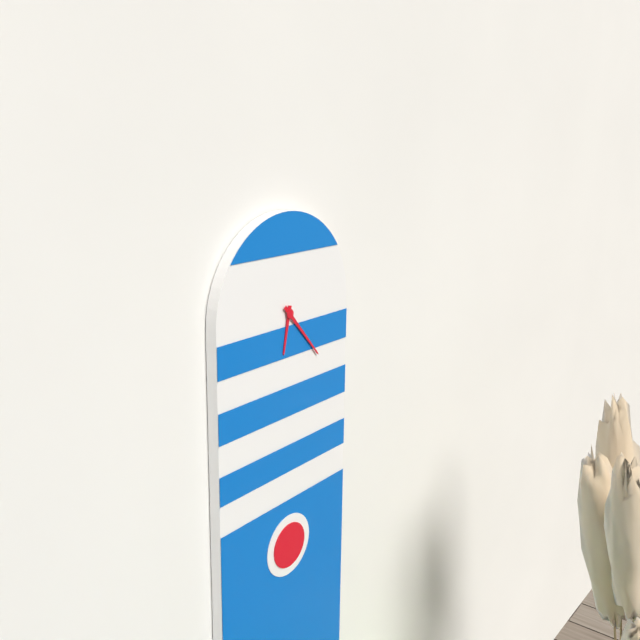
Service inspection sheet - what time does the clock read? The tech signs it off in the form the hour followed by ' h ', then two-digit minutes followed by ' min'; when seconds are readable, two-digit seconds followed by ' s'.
6 h 23 min
